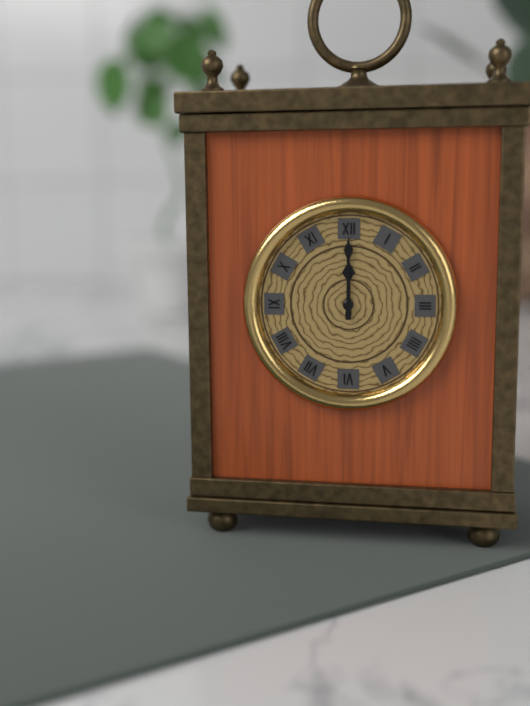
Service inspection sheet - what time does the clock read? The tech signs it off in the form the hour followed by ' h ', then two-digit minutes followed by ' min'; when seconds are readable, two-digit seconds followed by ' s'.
12 h 00 min
